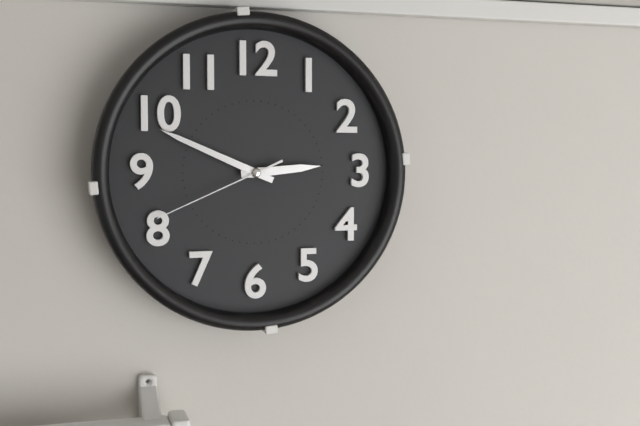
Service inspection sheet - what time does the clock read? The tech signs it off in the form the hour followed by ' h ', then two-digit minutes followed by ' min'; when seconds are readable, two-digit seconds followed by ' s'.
2 h 49 min 41 s
